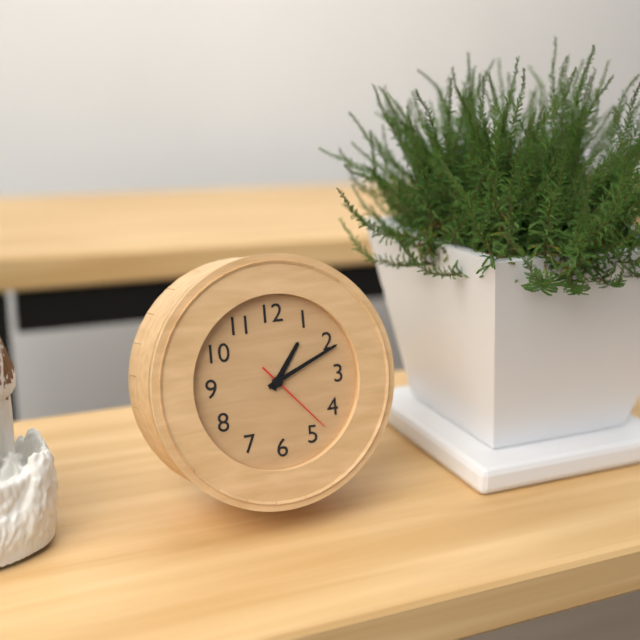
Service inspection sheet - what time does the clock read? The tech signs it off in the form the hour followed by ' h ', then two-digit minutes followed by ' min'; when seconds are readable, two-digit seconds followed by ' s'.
1 h 11 min 23 s
